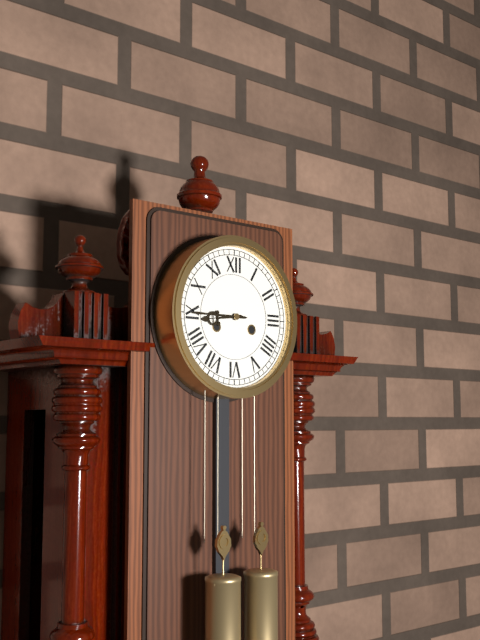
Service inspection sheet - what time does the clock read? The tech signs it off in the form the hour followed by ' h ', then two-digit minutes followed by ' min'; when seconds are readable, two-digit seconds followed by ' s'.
8 h 45 min
